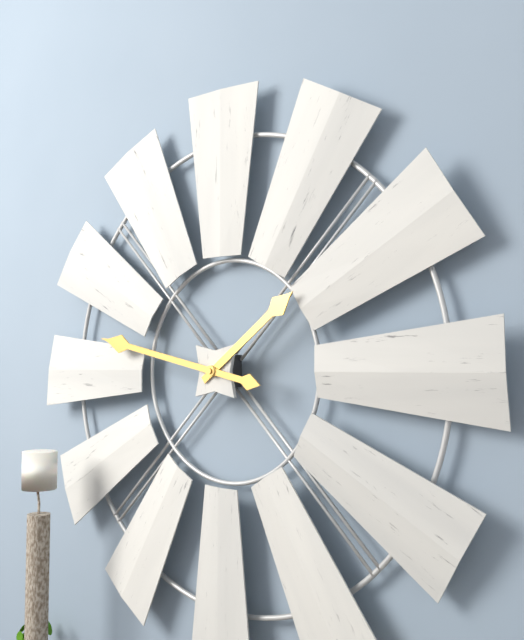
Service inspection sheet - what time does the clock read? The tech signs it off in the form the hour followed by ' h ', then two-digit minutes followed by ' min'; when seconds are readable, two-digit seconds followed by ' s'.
1 h 47 min
